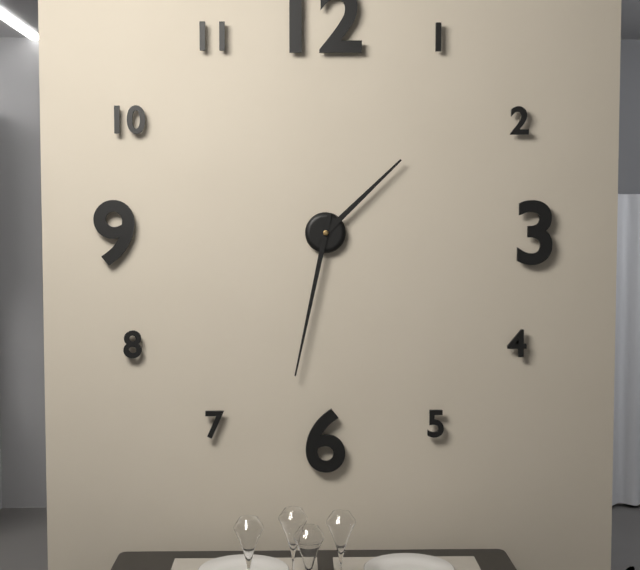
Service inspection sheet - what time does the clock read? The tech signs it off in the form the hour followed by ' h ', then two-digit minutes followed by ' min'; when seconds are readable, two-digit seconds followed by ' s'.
1 h 32 min
